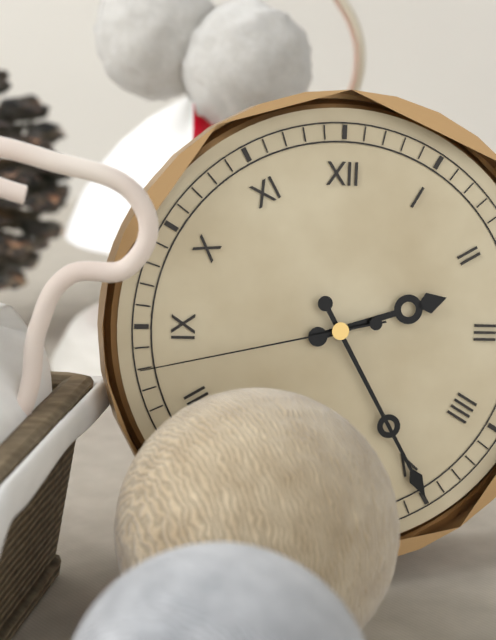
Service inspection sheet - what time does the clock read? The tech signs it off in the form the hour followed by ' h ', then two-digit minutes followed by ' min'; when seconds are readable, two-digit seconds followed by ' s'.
2 h 25 min 43 s
